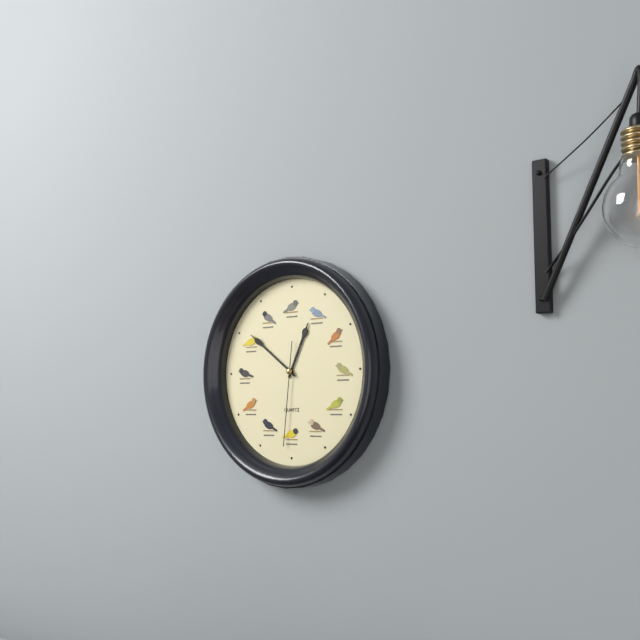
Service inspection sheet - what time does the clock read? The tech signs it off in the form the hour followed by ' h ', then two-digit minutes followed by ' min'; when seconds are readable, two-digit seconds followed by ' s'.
12 h 51 min 31 s
